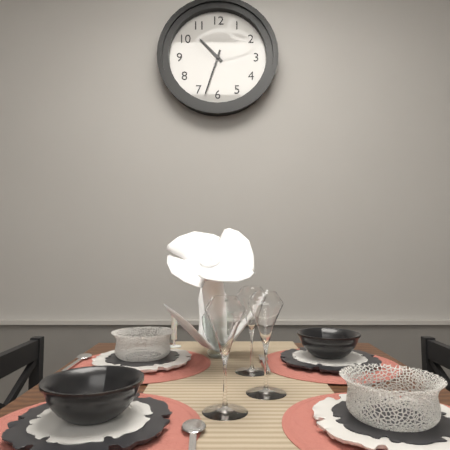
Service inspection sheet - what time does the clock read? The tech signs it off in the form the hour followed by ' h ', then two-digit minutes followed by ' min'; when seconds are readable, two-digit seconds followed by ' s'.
10 h 33 min
